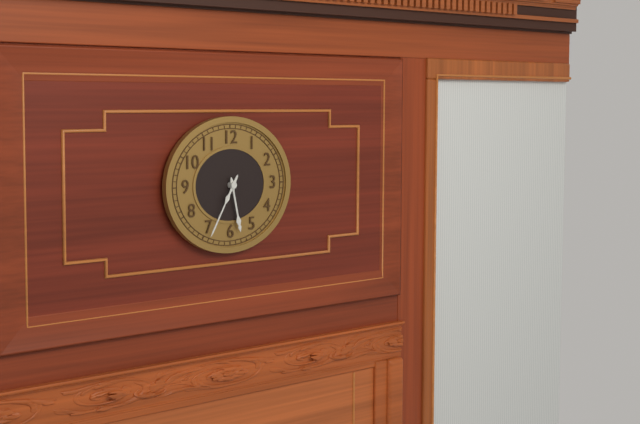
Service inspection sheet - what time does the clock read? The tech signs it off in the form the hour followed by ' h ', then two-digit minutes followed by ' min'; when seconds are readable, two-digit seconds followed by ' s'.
5 h 35 min
